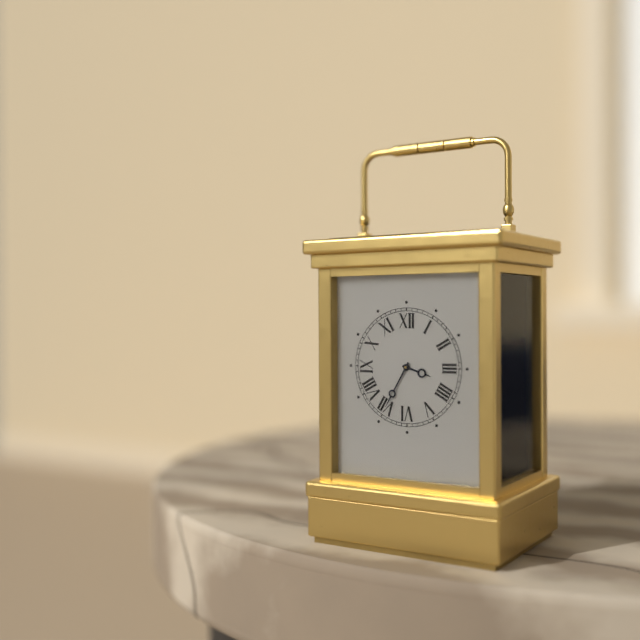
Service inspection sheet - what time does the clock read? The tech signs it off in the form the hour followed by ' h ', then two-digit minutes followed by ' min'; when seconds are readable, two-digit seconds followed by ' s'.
3 h 35 min
